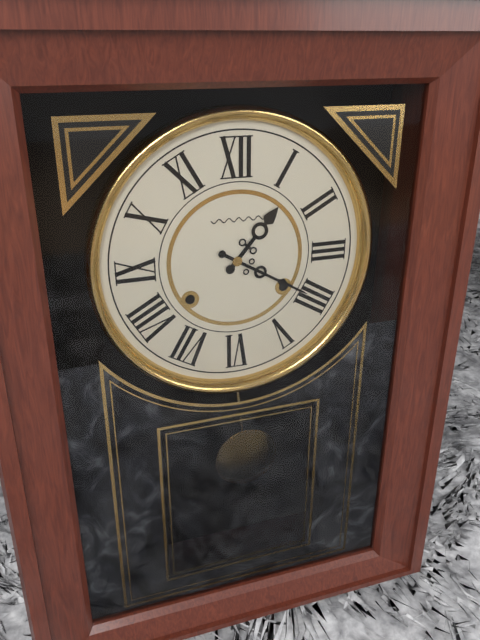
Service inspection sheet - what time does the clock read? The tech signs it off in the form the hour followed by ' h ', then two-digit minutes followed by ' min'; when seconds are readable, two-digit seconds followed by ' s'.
1 h 20 min
